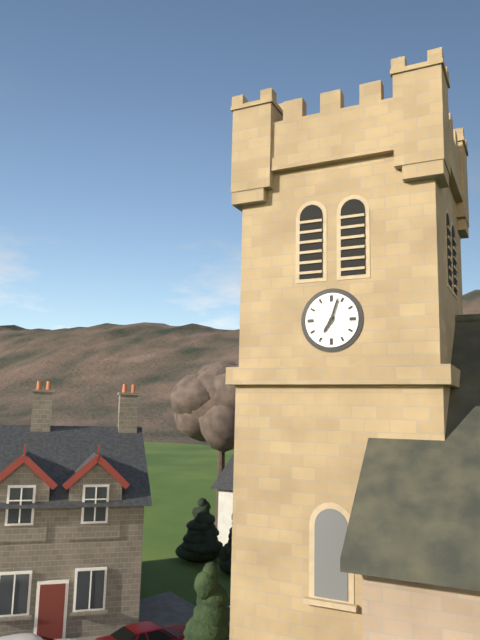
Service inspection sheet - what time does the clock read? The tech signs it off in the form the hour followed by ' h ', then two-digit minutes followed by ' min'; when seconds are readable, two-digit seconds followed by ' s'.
7 h 03 min
